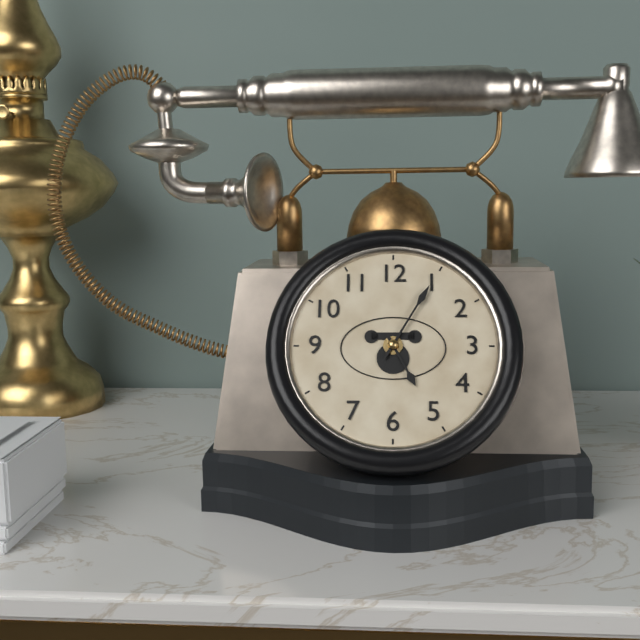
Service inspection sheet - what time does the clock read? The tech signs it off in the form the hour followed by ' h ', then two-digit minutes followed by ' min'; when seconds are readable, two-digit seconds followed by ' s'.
5 h 05 min
